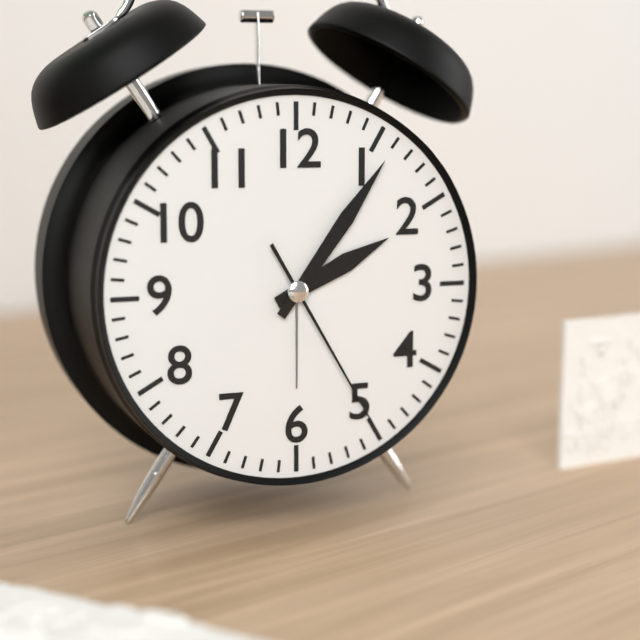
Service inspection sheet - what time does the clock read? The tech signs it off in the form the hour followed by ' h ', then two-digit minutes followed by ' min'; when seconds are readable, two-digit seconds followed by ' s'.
2 h 06 min 25 s
